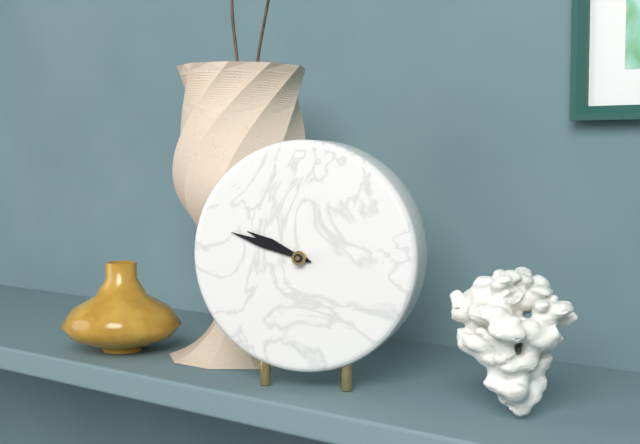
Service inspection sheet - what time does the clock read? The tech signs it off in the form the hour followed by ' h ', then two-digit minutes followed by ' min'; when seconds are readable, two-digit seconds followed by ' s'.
9 h 48 min
